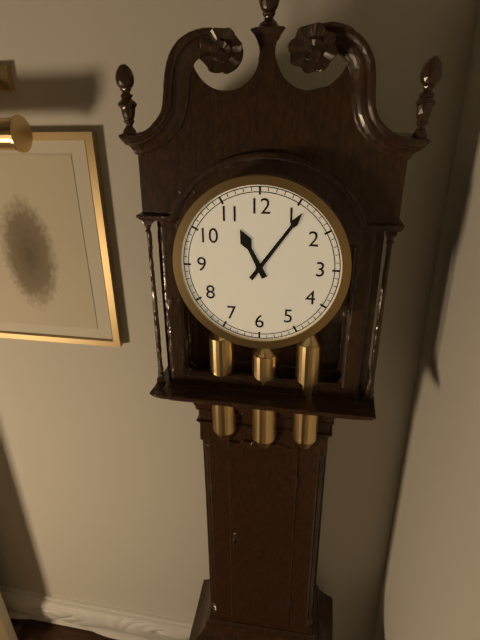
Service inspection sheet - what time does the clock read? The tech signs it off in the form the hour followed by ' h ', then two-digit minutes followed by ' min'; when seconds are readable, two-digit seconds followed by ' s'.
11 h 06 min
